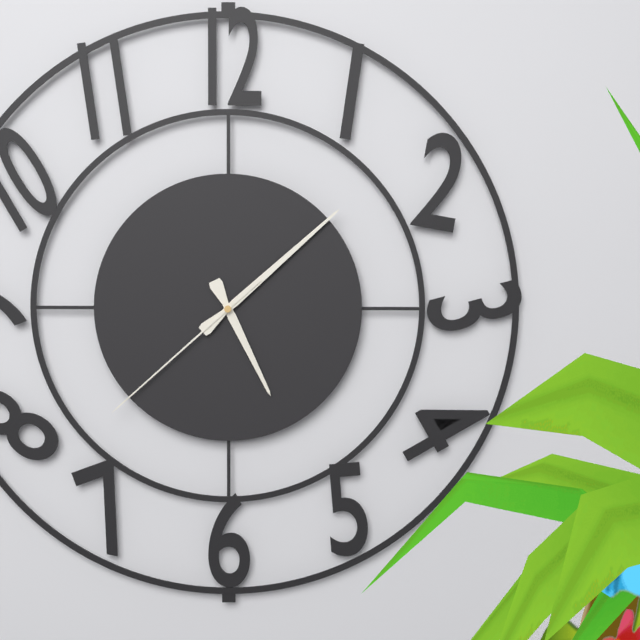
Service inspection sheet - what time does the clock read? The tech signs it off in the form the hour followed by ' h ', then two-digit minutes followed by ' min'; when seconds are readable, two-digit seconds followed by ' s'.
5 h 08 min 38 s
